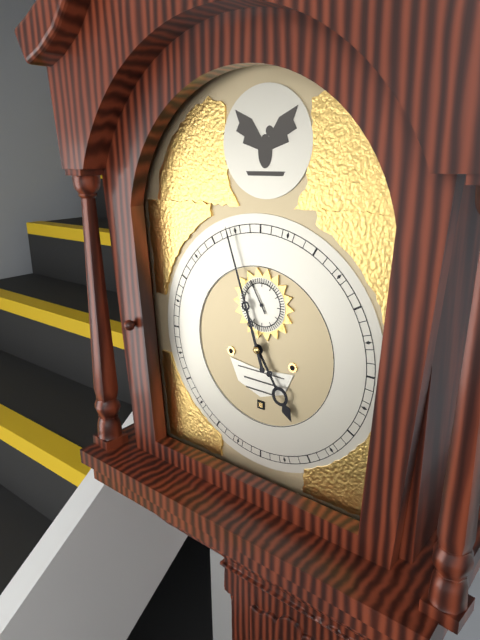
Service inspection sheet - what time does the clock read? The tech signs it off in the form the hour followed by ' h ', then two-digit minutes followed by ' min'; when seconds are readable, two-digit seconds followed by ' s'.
4 h 57 min
